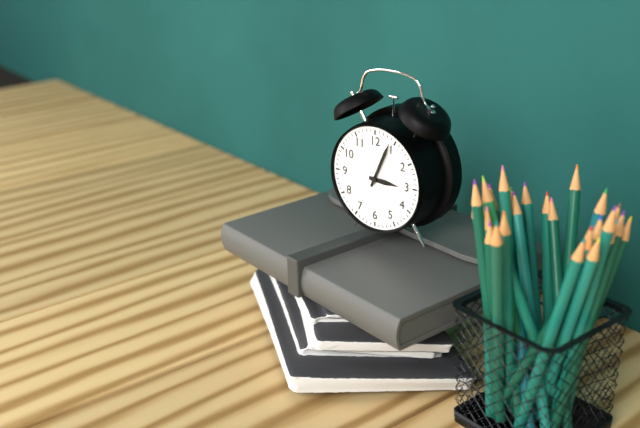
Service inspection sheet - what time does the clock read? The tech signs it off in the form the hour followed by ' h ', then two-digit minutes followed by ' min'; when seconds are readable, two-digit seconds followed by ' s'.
3 h 04 min
